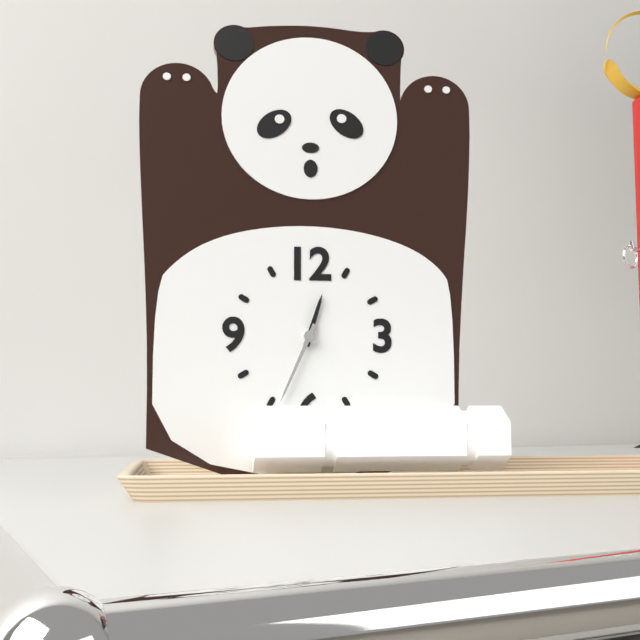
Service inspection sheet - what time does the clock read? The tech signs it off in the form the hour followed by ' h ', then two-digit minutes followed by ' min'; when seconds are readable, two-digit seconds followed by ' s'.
12 h 34 min
